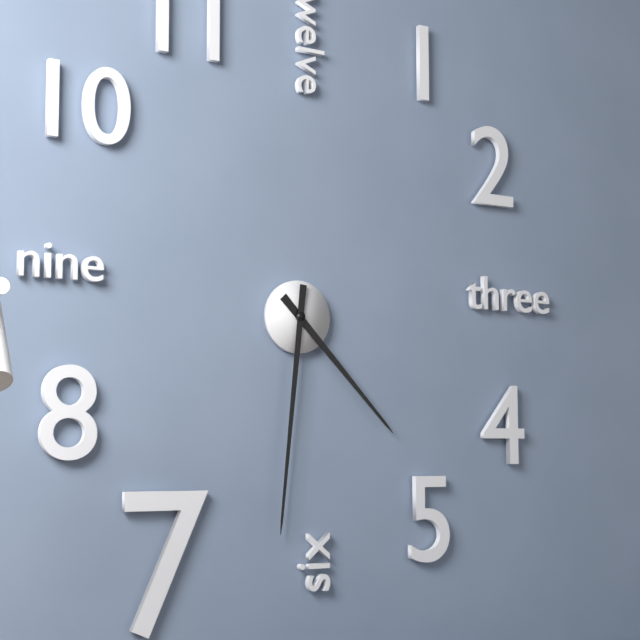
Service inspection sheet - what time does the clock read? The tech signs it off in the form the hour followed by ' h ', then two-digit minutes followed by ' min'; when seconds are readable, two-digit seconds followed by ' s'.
4 h 31 min
